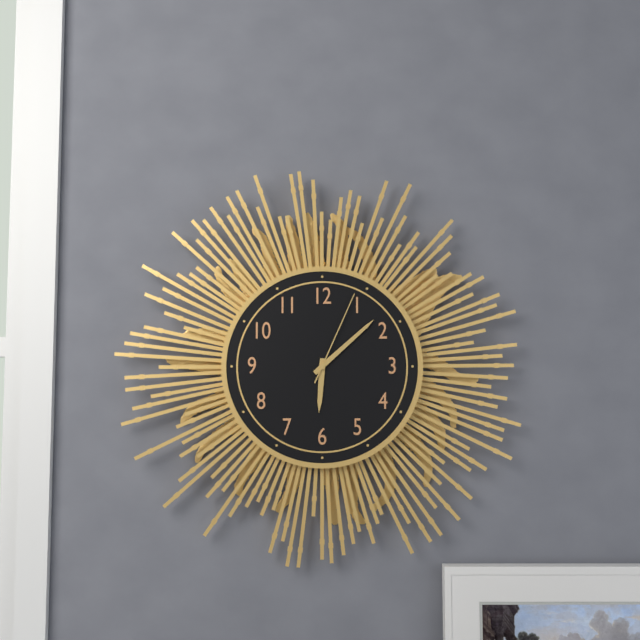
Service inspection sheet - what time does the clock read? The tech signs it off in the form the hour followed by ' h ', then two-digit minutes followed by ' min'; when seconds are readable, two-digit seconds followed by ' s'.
6 h 08 min 04 s
